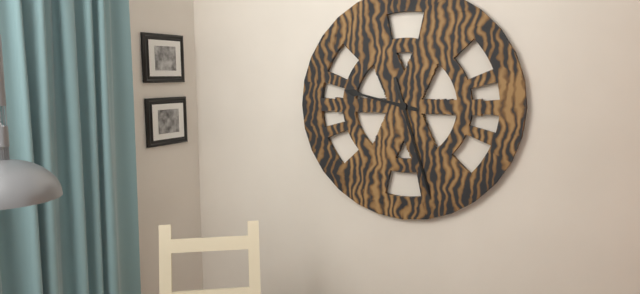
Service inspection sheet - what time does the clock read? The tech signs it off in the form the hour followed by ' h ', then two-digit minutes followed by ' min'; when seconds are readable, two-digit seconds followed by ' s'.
9 h 27 min
